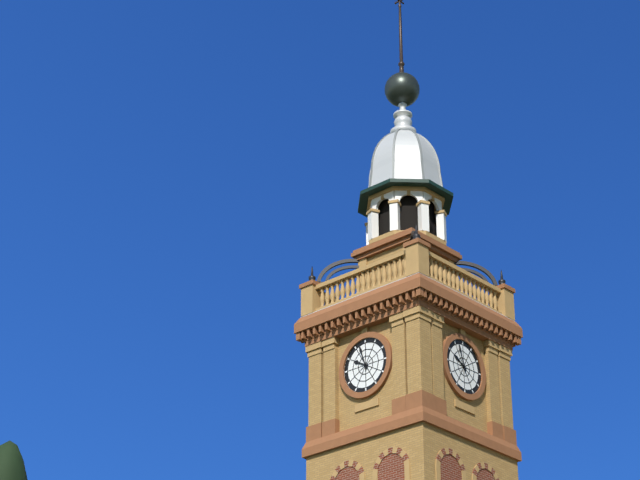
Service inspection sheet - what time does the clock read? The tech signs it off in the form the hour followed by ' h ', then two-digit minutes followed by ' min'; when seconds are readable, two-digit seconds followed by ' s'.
9 h 57 min
